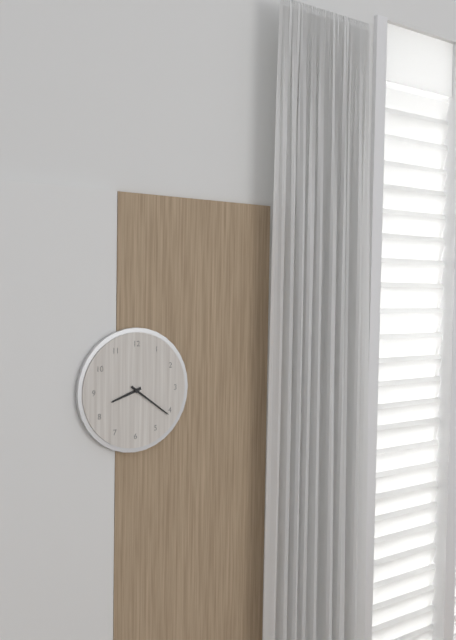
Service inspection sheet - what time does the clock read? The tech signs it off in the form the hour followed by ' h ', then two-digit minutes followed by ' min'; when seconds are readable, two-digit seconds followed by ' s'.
8 h 21 min
